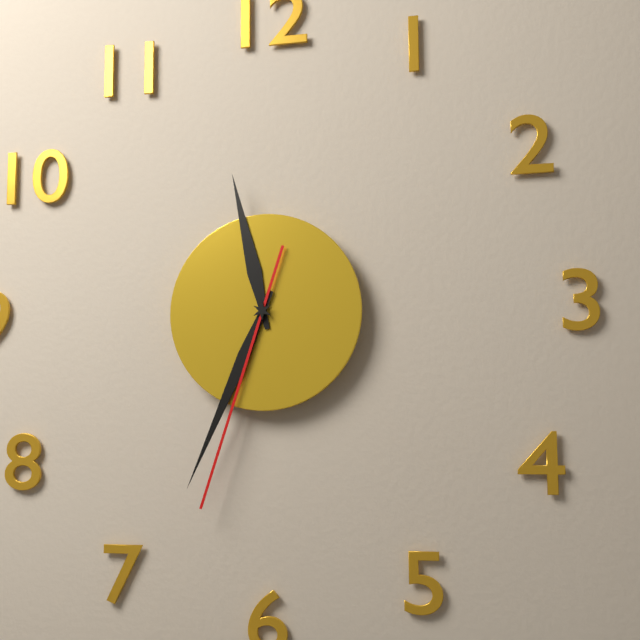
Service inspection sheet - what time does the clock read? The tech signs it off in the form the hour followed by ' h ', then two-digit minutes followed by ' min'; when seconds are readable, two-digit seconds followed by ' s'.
11 h 34 min 33 s
